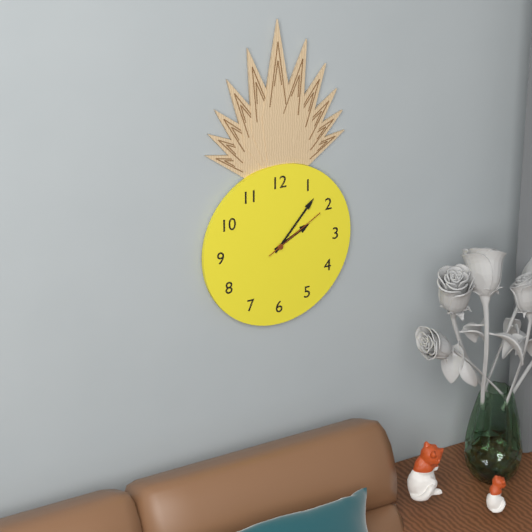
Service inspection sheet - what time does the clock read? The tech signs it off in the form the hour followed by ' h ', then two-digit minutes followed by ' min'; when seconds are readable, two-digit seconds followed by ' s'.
2 h 07 min 10 s
